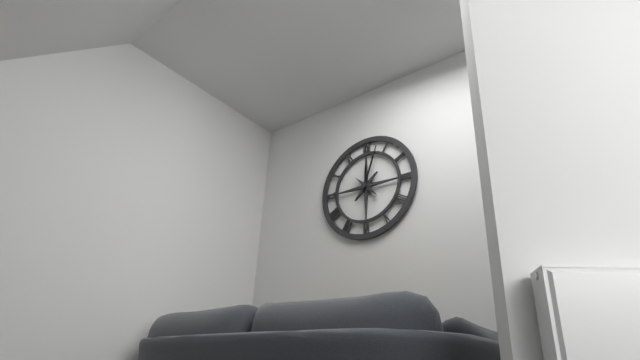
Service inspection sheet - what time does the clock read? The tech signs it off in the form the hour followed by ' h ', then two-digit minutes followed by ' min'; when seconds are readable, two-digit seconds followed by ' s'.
12 h 03 min
